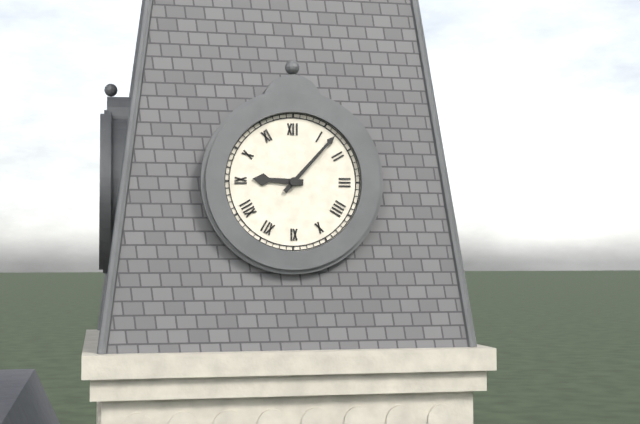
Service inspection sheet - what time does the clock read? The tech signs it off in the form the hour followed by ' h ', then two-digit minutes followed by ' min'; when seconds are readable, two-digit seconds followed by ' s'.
9 h 07 min
